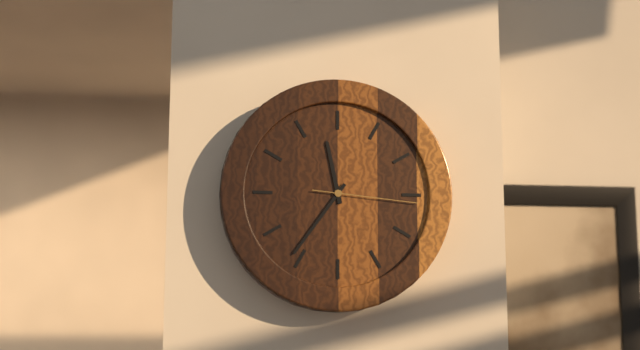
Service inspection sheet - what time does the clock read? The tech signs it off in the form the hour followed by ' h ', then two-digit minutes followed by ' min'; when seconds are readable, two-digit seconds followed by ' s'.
11 h 36 min 16 s
